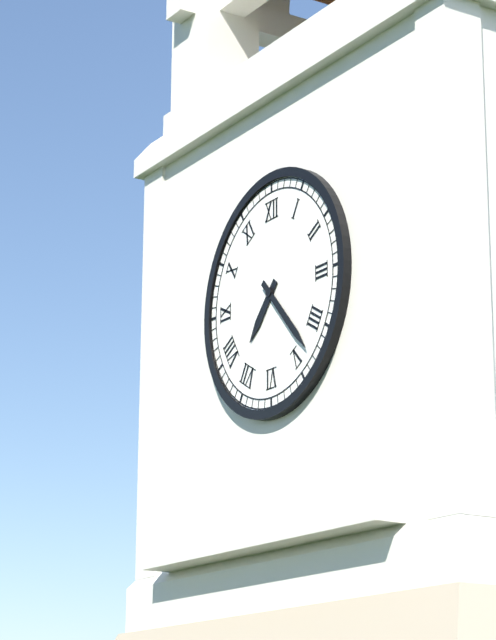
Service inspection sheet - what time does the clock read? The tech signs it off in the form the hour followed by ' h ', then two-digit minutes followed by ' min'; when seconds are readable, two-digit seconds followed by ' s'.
7 h 23 min
